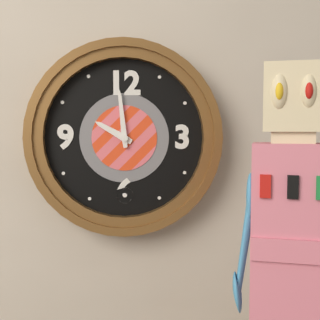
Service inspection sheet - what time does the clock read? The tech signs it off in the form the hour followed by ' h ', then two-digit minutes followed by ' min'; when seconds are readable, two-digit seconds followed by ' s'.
9 h 59 min
